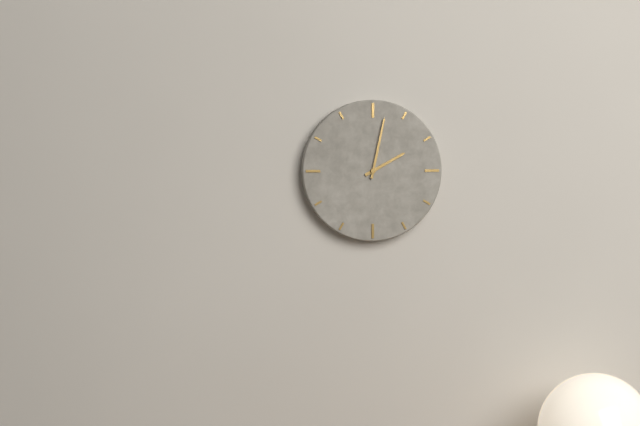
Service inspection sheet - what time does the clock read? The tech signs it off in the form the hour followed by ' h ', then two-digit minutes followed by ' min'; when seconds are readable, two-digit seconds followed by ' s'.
2 h 02 min
